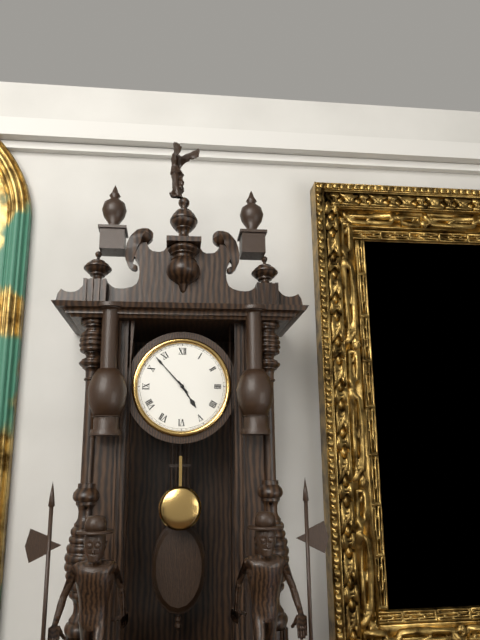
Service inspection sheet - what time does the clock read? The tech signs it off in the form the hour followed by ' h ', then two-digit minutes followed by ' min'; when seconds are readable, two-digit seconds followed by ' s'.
4 h 53 min
